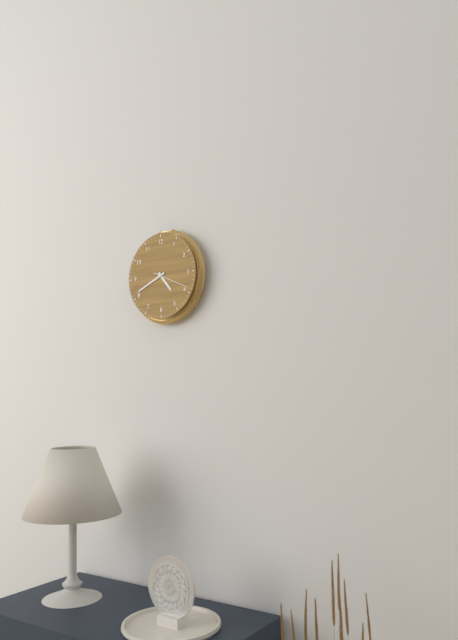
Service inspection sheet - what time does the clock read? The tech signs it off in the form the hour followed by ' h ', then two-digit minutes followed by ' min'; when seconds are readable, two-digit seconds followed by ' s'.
4 h 41 min
